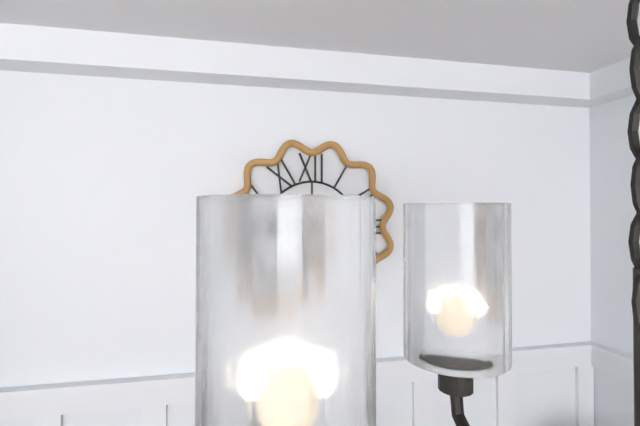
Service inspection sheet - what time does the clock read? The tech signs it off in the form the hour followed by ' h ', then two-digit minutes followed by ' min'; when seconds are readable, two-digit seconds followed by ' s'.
5 h 10 min
